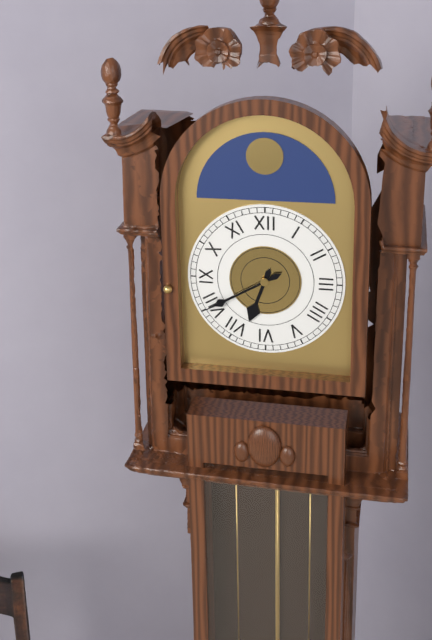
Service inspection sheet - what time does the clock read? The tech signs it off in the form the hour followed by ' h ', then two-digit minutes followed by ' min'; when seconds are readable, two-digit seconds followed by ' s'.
6 h 40 min
